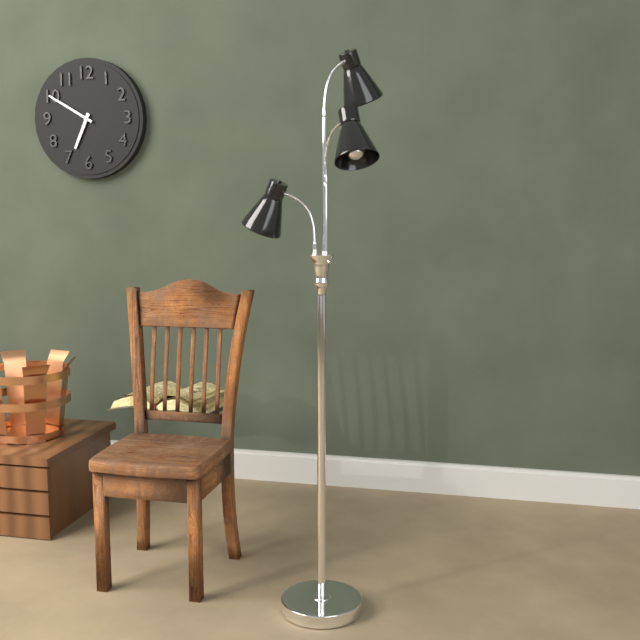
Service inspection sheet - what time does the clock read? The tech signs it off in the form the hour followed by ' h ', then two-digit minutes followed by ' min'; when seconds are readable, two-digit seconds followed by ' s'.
6 h 50 min
